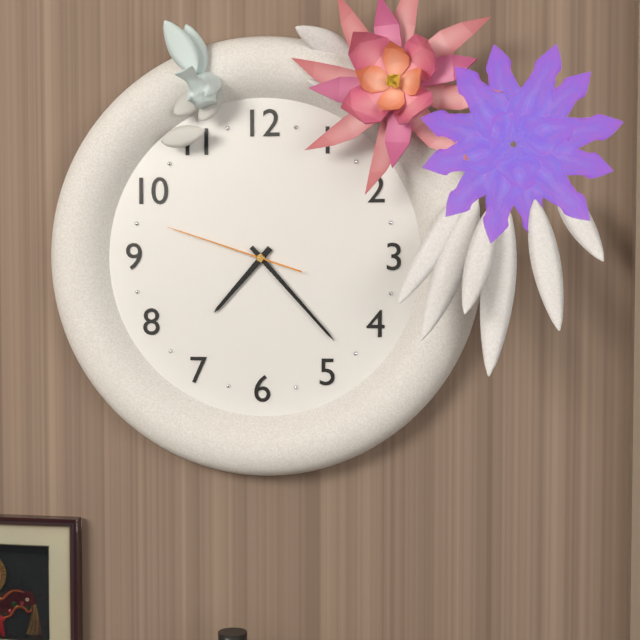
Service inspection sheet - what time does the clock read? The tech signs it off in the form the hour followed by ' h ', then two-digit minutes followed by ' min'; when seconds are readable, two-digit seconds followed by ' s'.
7 h 23 min 48 s
